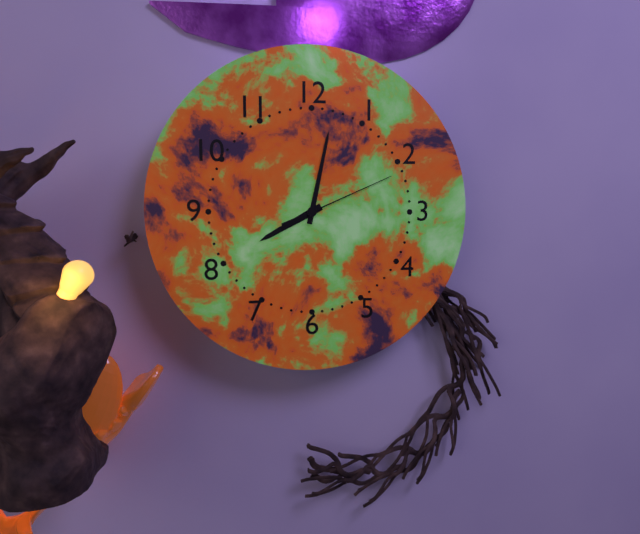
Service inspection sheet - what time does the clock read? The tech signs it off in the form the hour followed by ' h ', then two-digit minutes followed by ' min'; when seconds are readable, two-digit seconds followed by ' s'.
8 h 02 min 11 s
